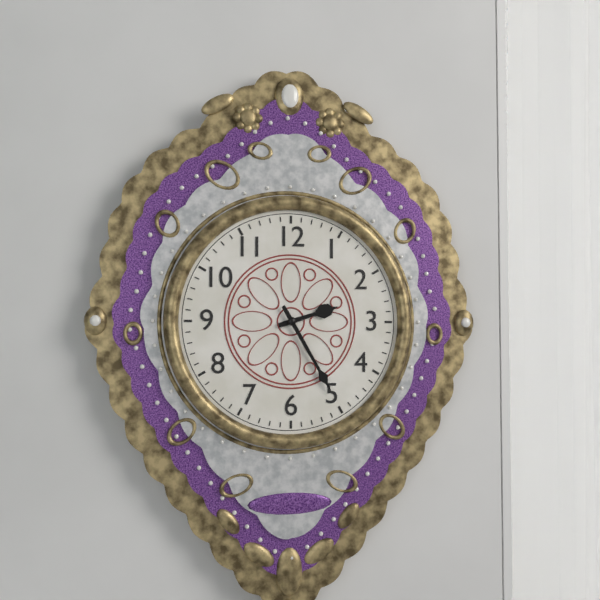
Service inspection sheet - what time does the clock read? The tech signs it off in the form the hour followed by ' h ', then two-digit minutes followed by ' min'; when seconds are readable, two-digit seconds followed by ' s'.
2 h 25 min
